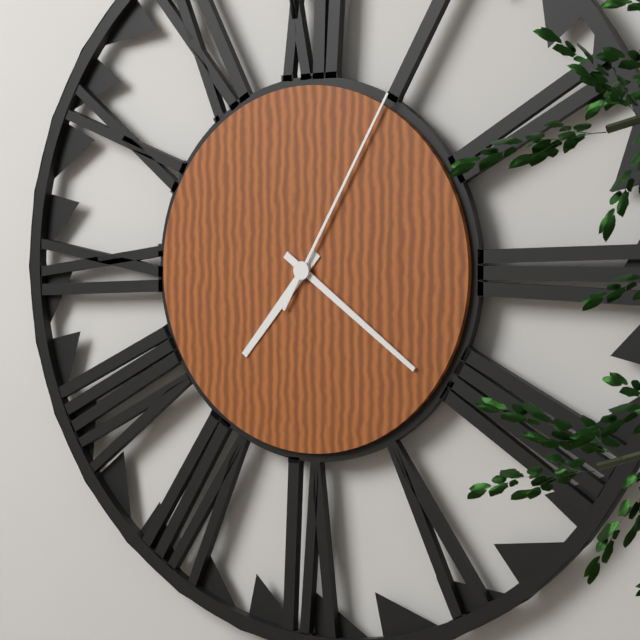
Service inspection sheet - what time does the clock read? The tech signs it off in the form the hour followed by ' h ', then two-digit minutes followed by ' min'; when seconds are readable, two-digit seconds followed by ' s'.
7 h 21 min 05 s
